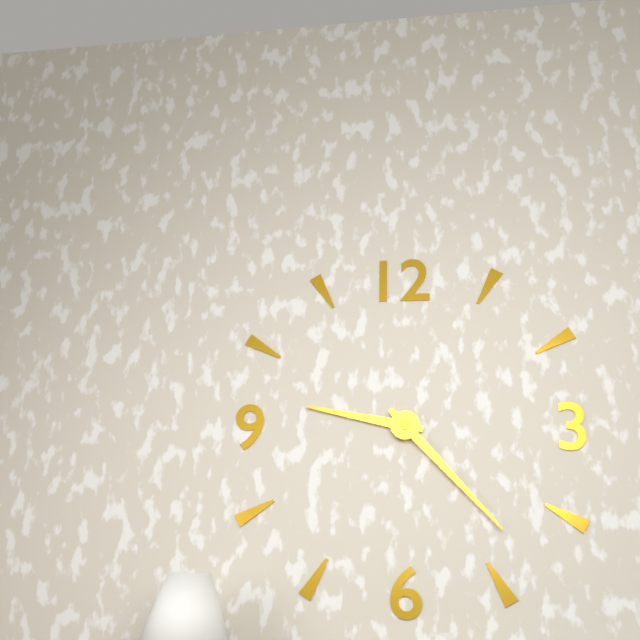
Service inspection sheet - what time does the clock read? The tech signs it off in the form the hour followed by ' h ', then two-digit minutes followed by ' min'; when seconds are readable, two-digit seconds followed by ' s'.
9 h 23 min
